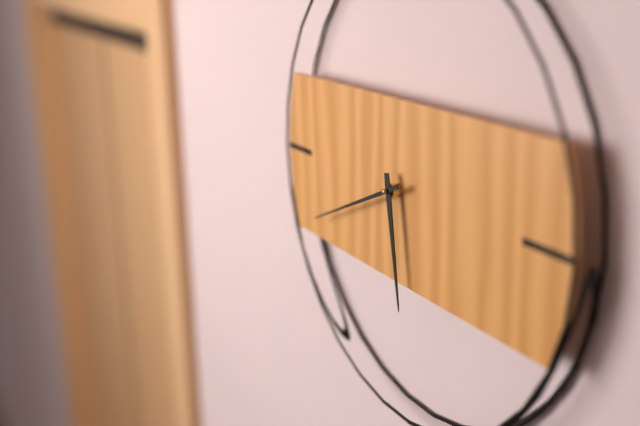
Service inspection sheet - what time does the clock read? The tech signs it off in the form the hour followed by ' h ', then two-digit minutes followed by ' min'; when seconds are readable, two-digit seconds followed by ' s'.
5 h 41 min
